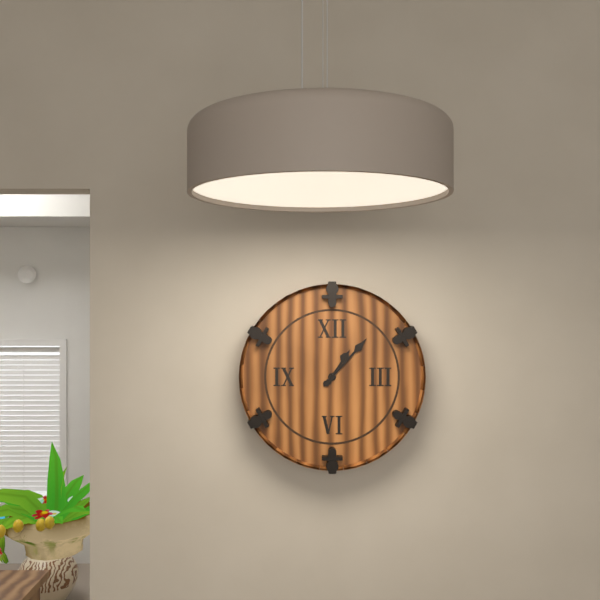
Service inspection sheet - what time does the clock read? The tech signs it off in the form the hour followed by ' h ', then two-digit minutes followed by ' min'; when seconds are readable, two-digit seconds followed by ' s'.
1 h 07 min
